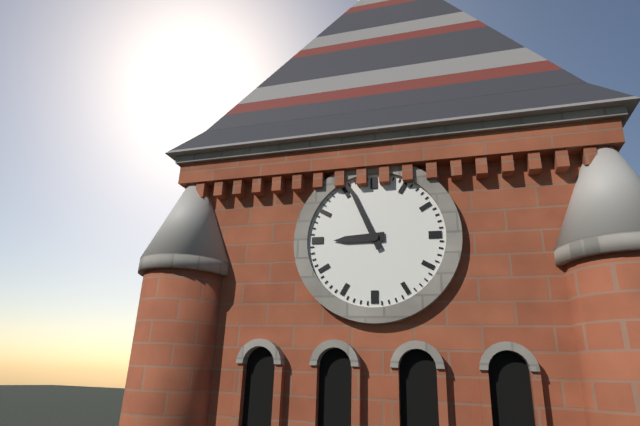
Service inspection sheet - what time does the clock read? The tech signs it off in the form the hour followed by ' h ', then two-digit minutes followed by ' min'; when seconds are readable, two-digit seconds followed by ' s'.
8 h 56 min
